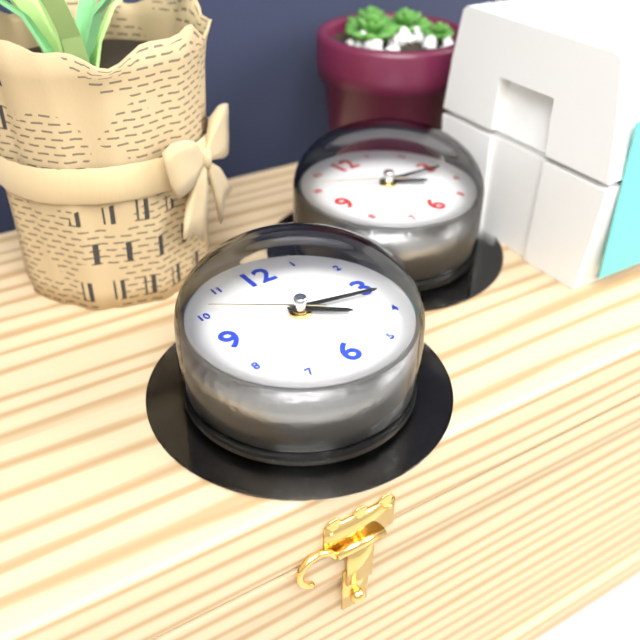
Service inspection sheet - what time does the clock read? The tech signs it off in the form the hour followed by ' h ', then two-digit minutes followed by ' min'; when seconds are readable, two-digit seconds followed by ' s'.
4 h 17 min 51 s
